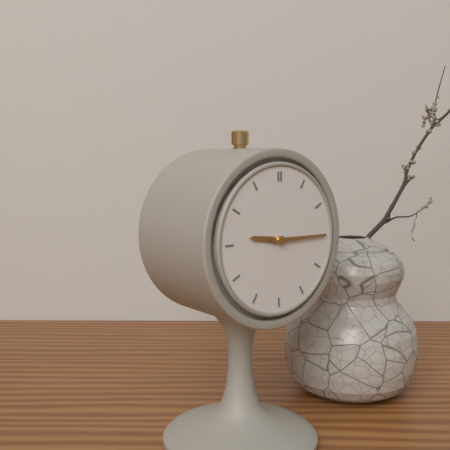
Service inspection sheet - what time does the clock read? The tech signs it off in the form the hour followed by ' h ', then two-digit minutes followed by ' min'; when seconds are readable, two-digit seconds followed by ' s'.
9 h 15 min
